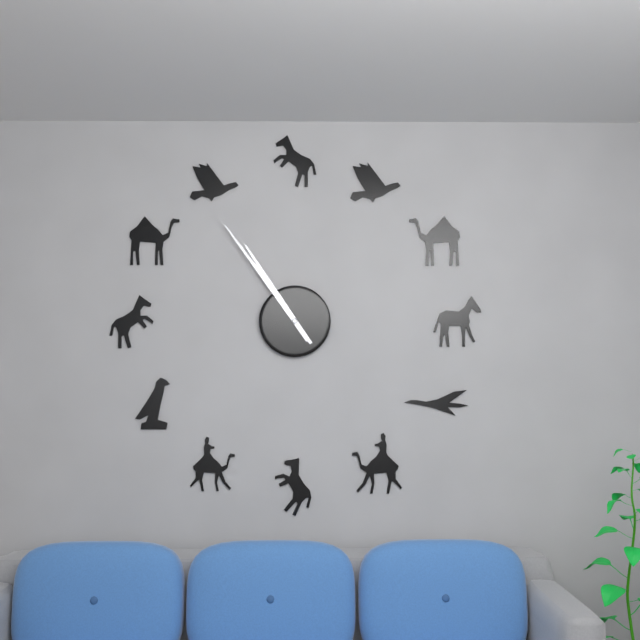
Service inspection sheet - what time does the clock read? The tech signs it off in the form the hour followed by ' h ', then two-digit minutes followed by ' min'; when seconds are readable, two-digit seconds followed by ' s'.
10 h 54 min
